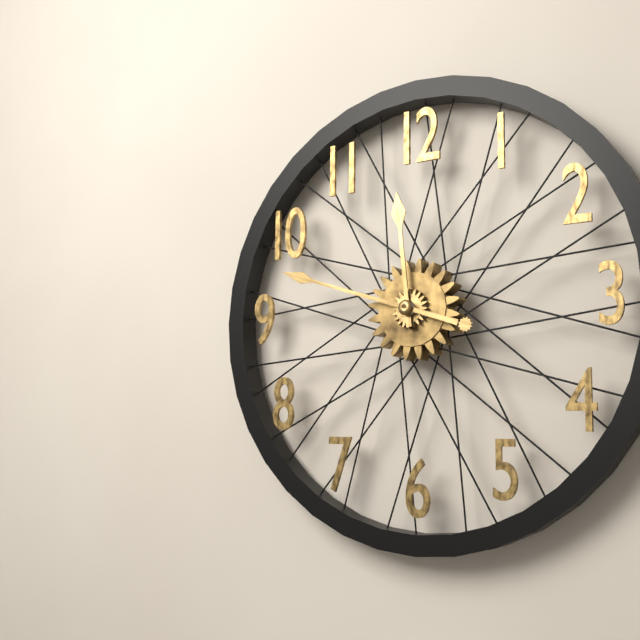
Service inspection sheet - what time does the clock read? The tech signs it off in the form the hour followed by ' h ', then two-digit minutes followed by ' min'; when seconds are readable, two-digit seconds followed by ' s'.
11 h 48 min
